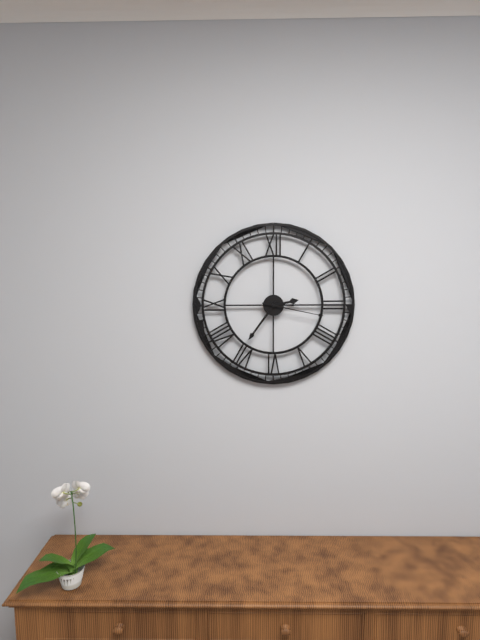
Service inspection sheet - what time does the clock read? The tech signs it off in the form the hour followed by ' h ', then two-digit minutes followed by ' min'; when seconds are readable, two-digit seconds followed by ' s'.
2 h 36 min 17 s
